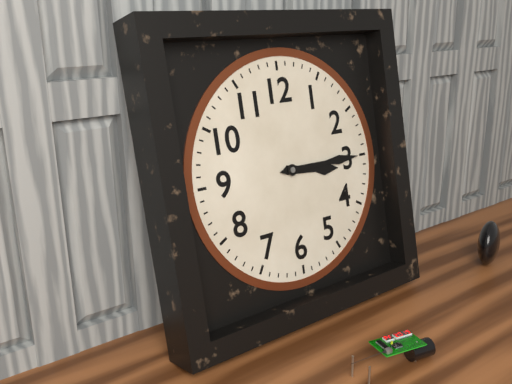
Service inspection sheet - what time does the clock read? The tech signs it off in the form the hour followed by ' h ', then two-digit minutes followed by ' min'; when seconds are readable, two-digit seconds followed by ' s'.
3 h 15 min
